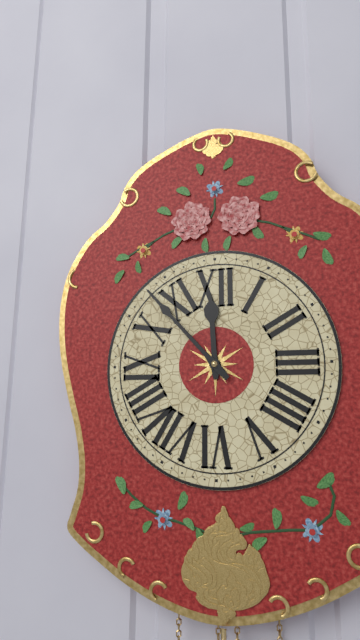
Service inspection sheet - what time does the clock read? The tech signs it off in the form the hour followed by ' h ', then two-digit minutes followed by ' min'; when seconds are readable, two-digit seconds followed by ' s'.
11 h 53 min
